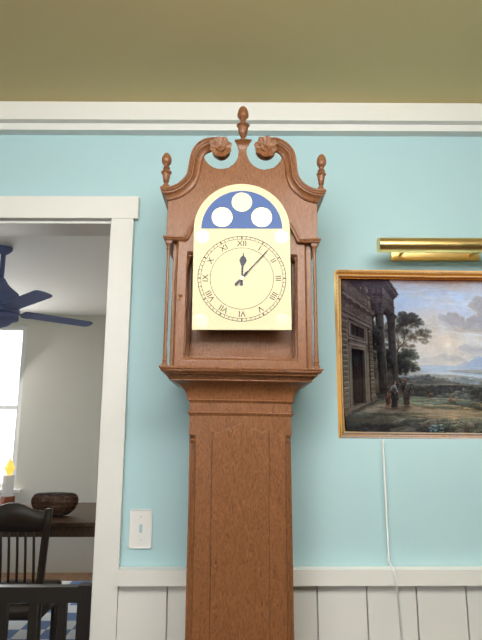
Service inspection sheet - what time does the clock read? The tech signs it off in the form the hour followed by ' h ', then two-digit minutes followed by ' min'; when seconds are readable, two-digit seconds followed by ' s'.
12 h 07 min
